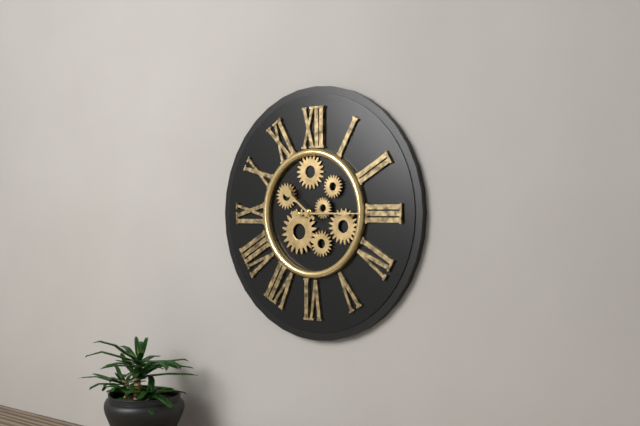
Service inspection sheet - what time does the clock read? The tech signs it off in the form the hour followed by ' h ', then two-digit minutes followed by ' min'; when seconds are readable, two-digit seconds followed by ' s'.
10 h 15 min
